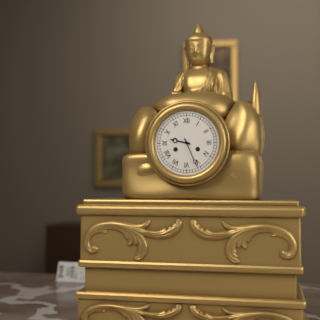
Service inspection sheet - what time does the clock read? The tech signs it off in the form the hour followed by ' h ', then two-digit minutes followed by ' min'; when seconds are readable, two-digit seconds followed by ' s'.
9 h 26 min
